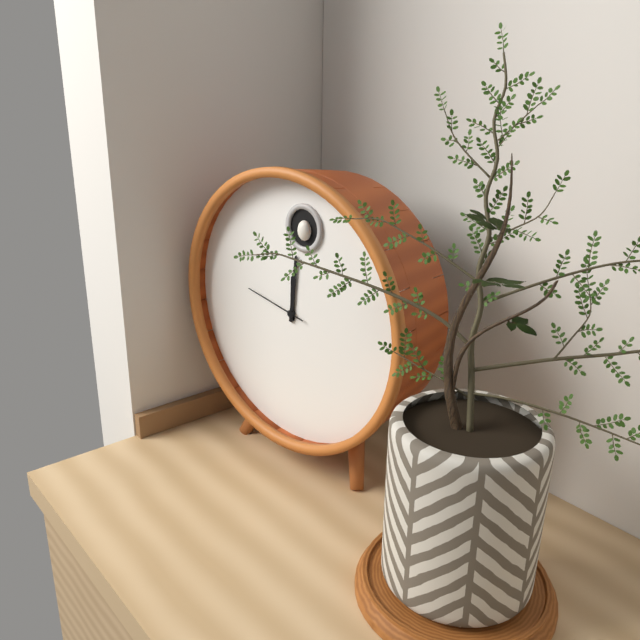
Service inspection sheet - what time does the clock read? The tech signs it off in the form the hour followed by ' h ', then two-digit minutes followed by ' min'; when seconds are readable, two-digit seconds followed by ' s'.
12 h 01 min 47 s
